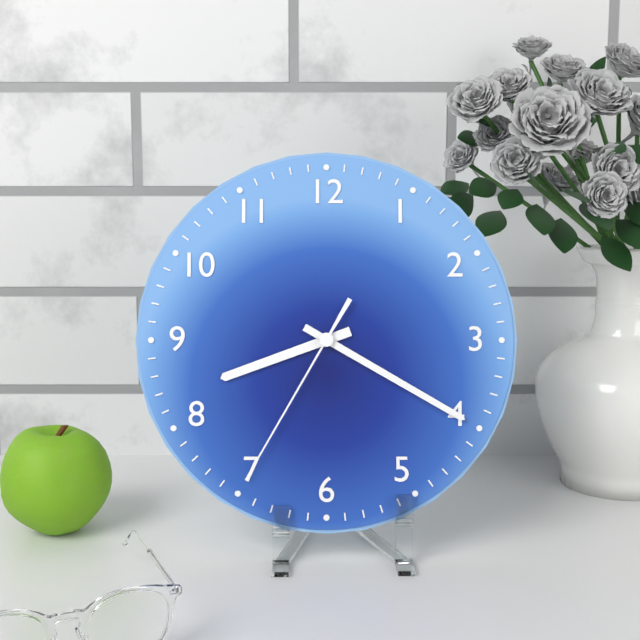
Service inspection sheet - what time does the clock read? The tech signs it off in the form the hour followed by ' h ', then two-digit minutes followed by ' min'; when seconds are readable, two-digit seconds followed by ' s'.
8 h 20 min 35 s
